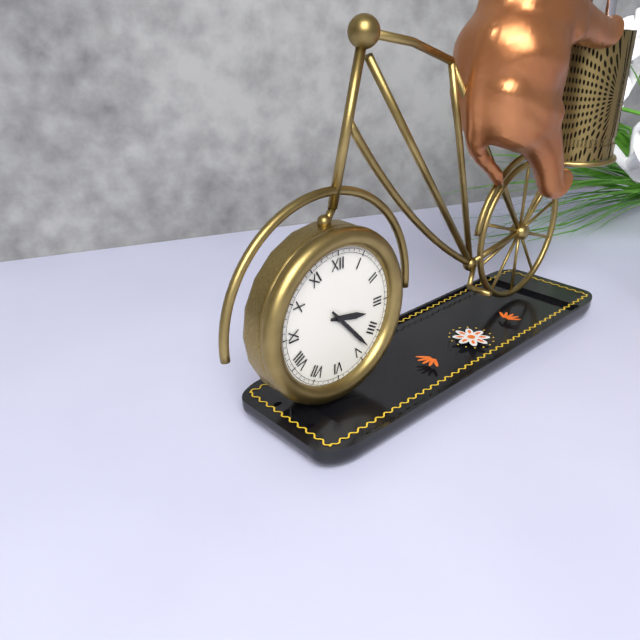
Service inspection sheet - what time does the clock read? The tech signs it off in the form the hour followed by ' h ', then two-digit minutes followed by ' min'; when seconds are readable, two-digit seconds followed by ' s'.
3 h 23 min
